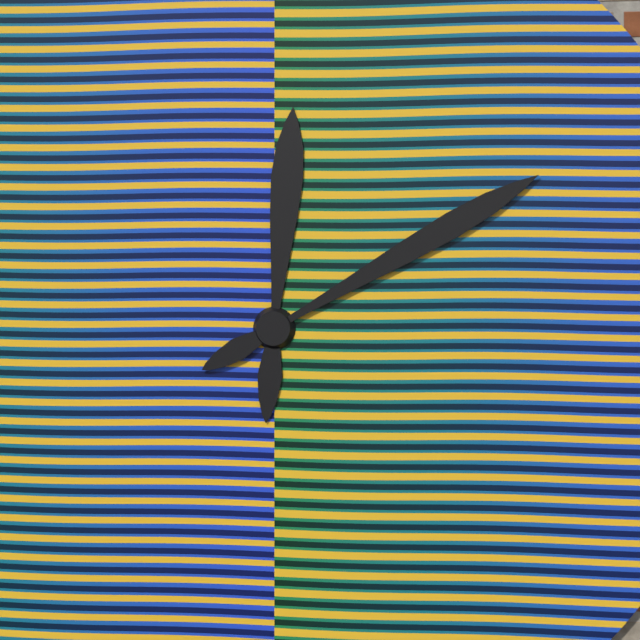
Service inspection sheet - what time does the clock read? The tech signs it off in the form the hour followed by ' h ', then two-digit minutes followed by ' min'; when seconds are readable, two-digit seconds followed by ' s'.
12 h 10 min
